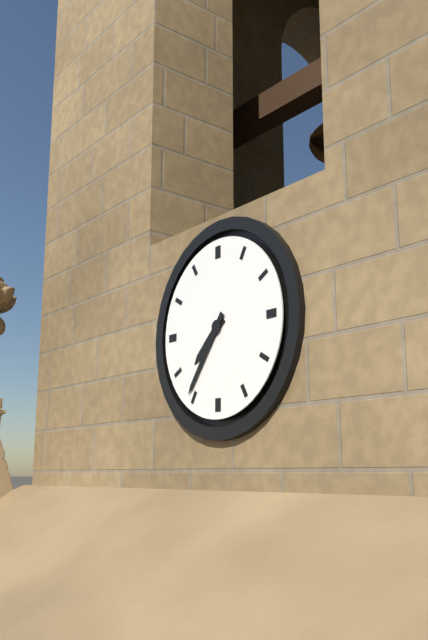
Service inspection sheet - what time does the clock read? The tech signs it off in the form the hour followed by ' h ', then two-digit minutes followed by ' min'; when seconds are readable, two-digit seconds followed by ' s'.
7 h 36 min
